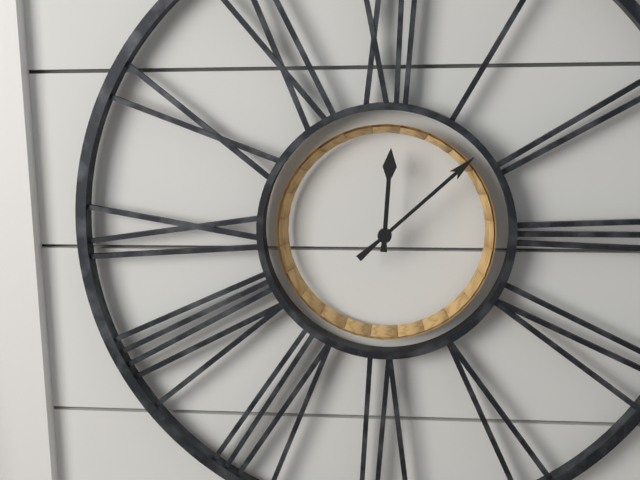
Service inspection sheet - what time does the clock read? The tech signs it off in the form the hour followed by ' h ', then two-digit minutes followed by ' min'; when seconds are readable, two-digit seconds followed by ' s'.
12 h 08 min
